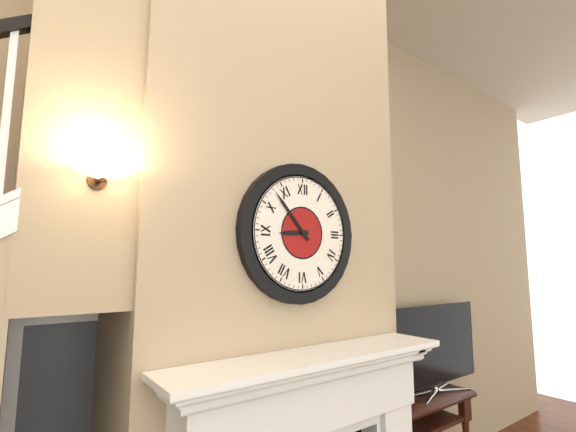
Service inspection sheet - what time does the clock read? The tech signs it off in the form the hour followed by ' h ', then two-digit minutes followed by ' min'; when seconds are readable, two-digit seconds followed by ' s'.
8 h 53 min
